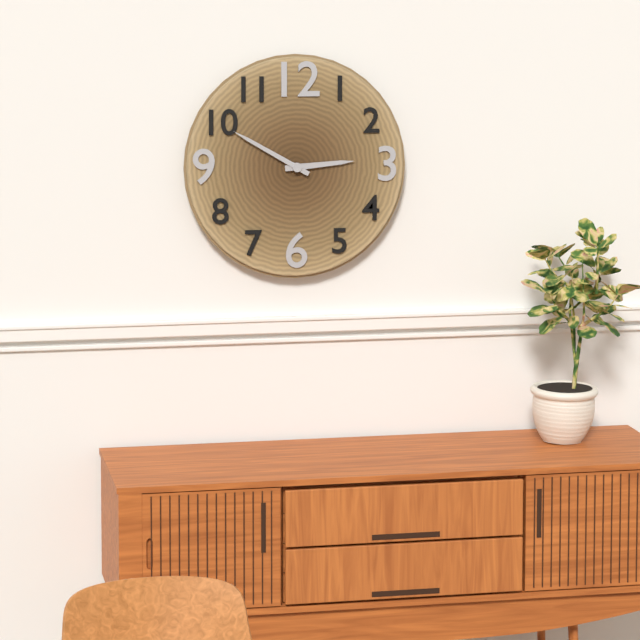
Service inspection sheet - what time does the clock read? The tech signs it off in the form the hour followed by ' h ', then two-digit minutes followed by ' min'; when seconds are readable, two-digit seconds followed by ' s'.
2 h 50 min
